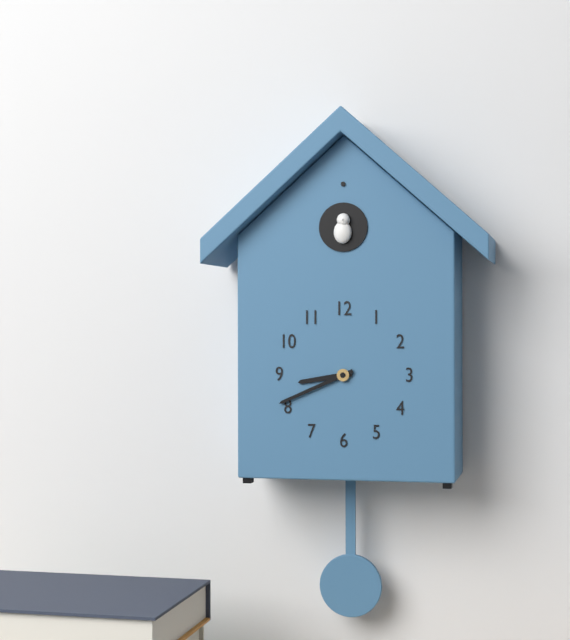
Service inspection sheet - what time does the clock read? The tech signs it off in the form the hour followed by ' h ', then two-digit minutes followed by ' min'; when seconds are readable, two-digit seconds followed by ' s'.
8 h 41 min
